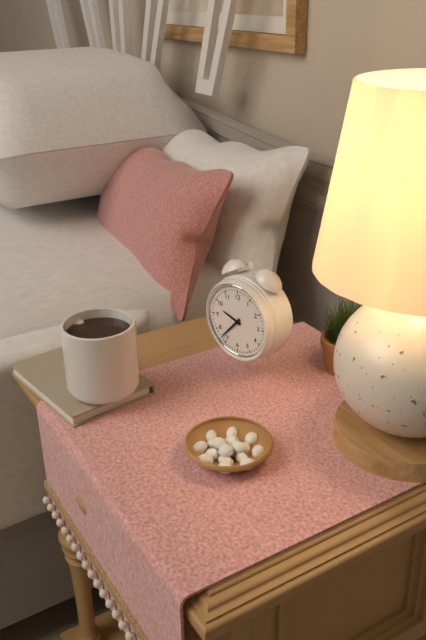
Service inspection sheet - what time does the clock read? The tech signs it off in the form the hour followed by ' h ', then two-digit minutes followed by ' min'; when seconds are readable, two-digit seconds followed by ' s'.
9 h 37 min
